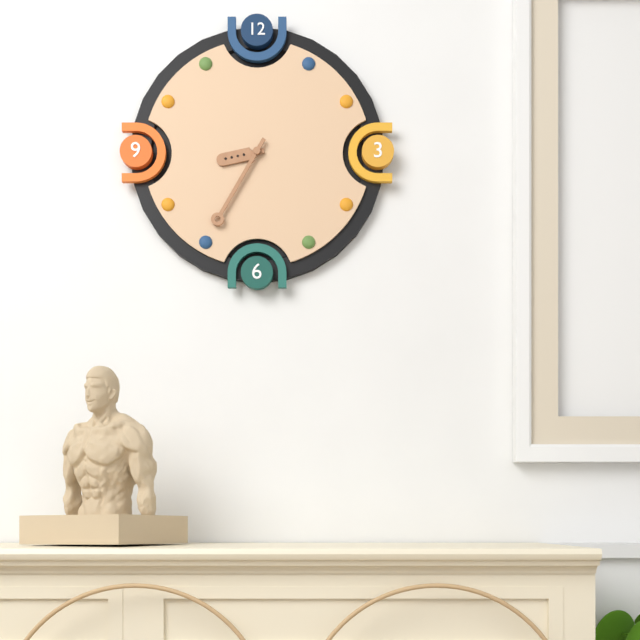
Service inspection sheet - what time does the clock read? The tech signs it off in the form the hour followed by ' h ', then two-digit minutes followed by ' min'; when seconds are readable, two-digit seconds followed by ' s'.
8 h 35 min
